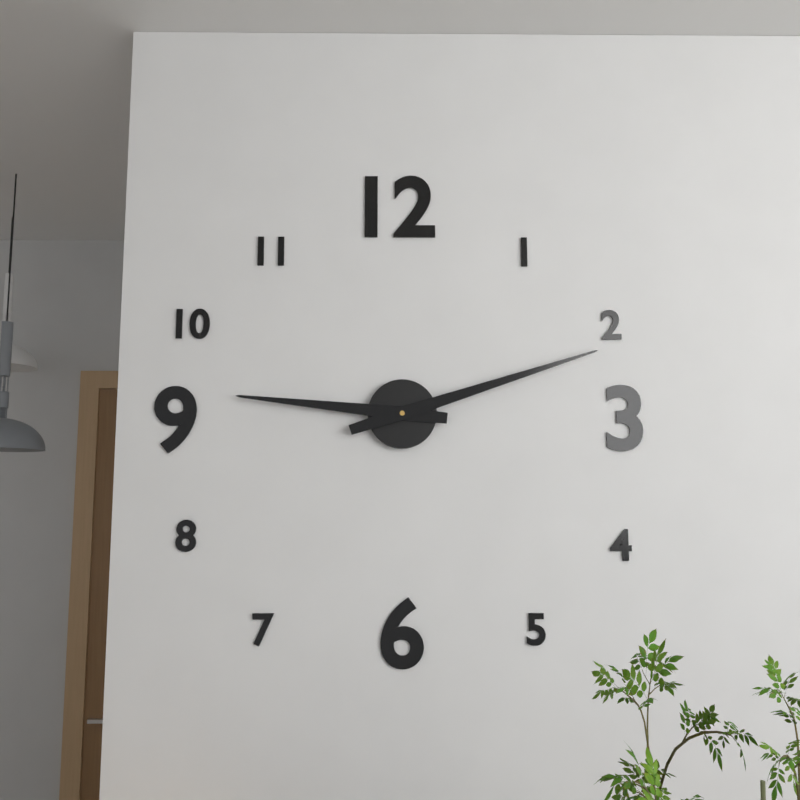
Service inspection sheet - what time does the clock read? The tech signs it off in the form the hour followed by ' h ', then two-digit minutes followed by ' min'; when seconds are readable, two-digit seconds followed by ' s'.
9 h 12 min
